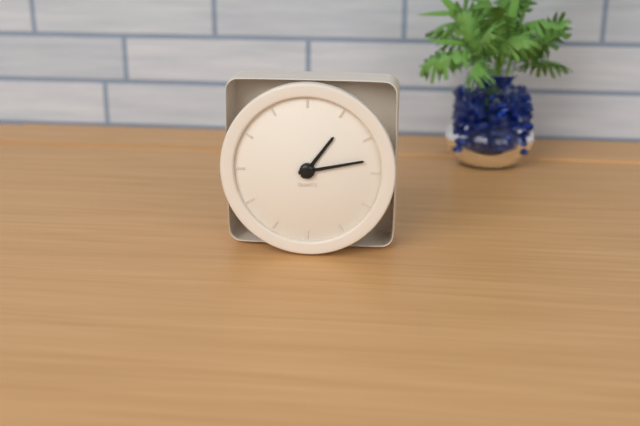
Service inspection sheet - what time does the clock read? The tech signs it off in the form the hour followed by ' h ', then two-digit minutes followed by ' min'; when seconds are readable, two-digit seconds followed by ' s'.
1 h 13 min
